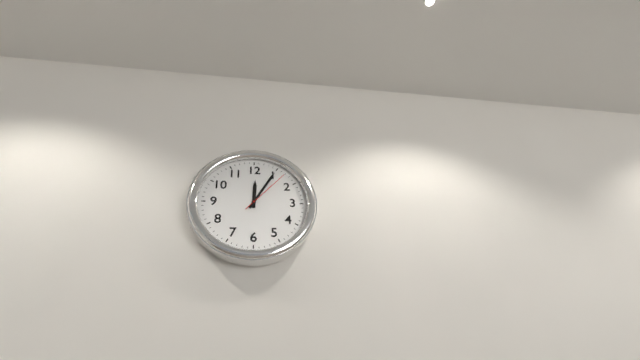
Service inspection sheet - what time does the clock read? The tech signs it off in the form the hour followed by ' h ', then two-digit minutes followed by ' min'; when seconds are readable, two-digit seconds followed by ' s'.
12 h 05 min 07 s
